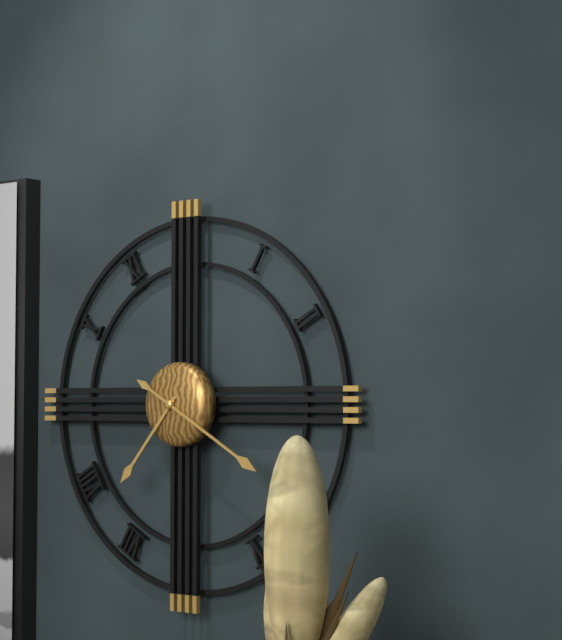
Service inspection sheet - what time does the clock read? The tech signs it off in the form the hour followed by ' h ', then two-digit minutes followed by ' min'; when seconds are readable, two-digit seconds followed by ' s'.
7 h 20 min
